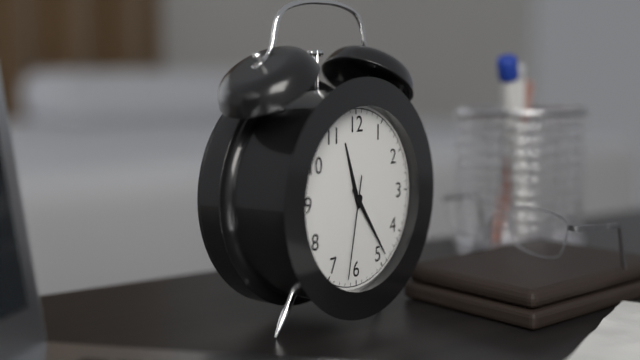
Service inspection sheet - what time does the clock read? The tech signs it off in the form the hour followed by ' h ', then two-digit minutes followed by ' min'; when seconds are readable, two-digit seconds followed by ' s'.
11 h 24 min 32 s
